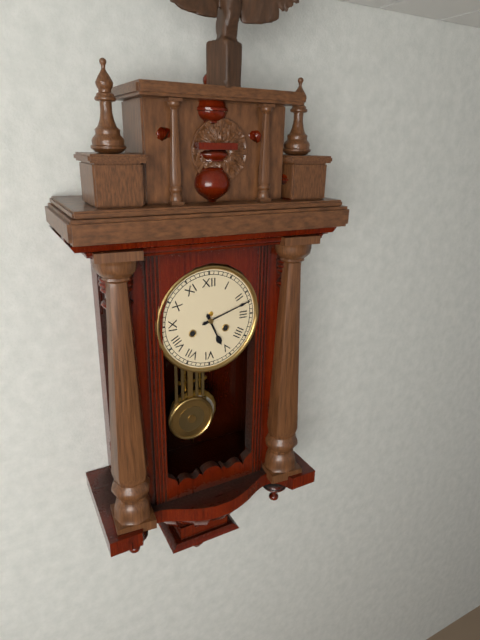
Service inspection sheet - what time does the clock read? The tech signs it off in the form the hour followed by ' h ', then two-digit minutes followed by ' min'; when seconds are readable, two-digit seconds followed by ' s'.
5 h 12 min
